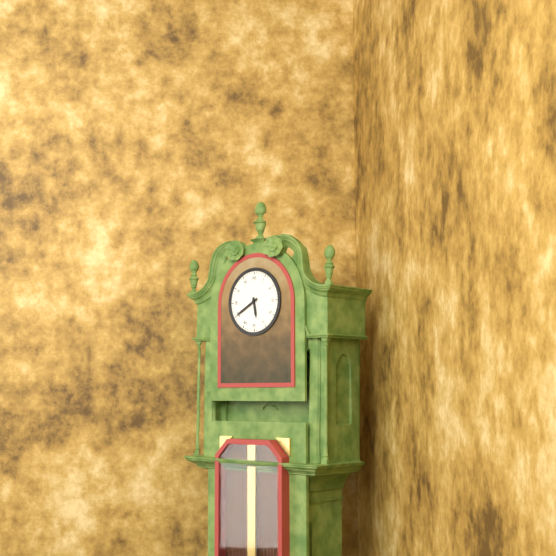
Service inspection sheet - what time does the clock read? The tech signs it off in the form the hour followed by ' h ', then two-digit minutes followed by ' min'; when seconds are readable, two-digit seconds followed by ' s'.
5 h 40 min
